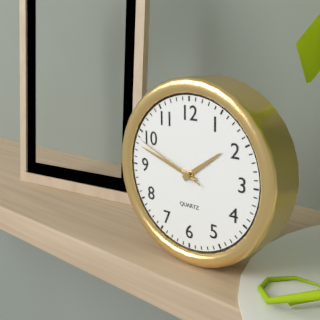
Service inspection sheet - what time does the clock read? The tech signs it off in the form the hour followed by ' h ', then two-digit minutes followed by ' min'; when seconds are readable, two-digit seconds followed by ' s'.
1 h 48 min 49 s
